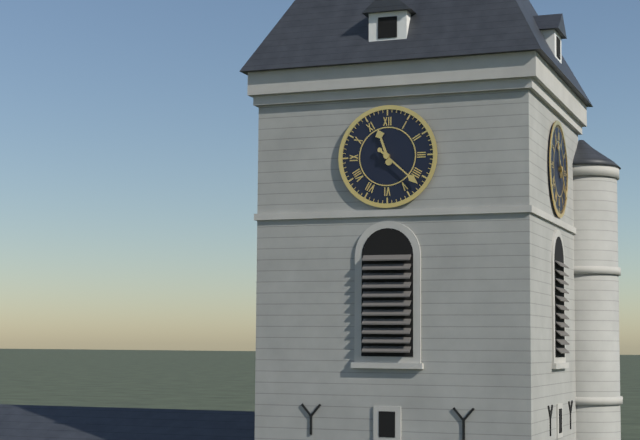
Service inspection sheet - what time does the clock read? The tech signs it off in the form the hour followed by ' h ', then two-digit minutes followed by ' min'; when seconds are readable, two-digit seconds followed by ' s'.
11 h 22 min
